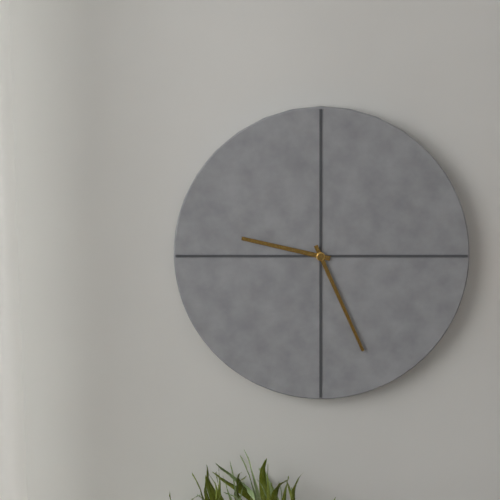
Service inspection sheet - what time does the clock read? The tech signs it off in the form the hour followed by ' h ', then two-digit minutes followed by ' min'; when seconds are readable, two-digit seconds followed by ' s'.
9 h 26 min
